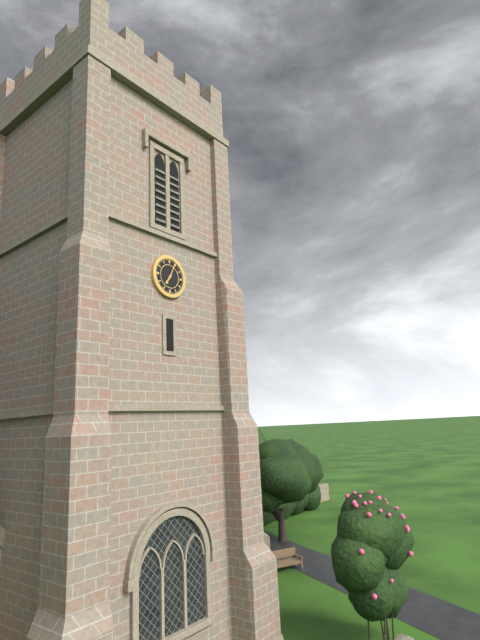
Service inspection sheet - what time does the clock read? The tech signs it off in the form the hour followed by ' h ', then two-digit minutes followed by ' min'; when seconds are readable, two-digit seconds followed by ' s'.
7 h 04 min
